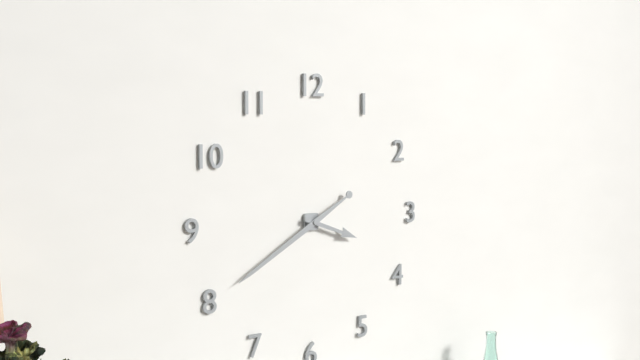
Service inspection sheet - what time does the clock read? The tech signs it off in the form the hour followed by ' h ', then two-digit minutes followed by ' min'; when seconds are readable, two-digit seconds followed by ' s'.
3 h 40 min
